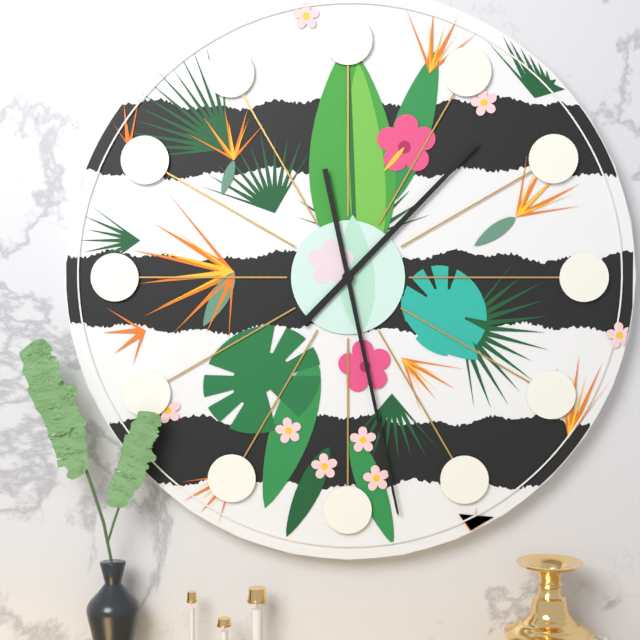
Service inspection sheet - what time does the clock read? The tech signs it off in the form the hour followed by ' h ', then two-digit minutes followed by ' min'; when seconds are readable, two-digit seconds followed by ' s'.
1 h 28 min
